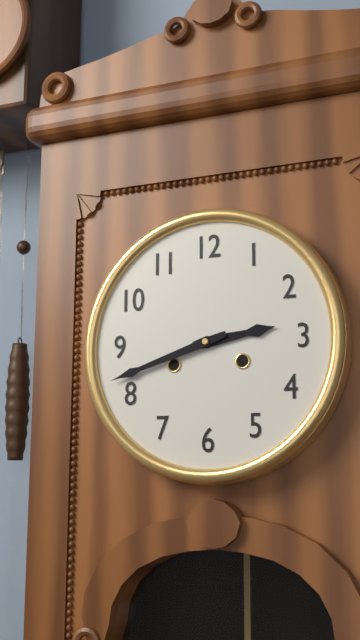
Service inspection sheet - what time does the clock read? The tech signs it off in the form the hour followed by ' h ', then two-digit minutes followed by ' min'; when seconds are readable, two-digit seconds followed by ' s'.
2 h 42 min
